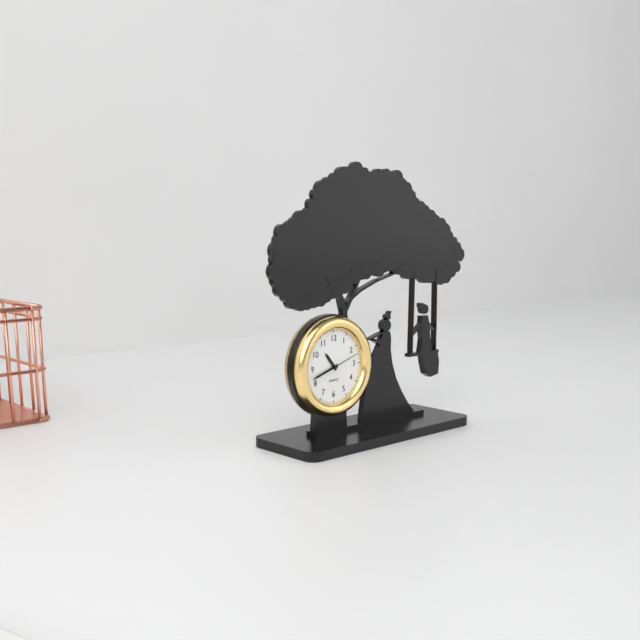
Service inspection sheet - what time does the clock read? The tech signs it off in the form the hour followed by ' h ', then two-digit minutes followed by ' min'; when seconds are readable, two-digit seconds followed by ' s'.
10 h 42 min
